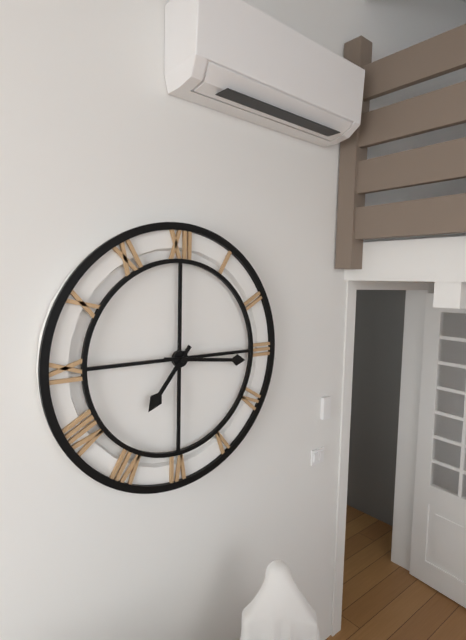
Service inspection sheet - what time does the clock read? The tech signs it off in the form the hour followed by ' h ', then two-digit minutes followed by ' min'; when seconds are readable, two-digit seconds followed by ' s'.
7 h 16 min
